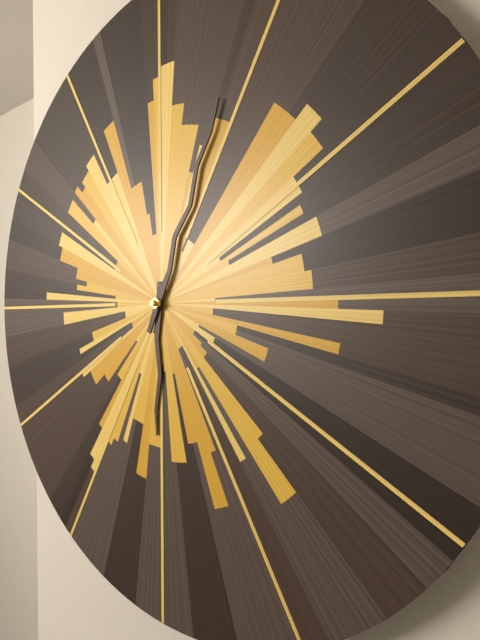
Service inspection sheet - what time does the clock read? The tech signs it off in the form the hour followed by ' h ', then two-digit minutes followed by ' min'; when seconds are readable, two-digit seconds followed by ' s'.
6 h 04 min
